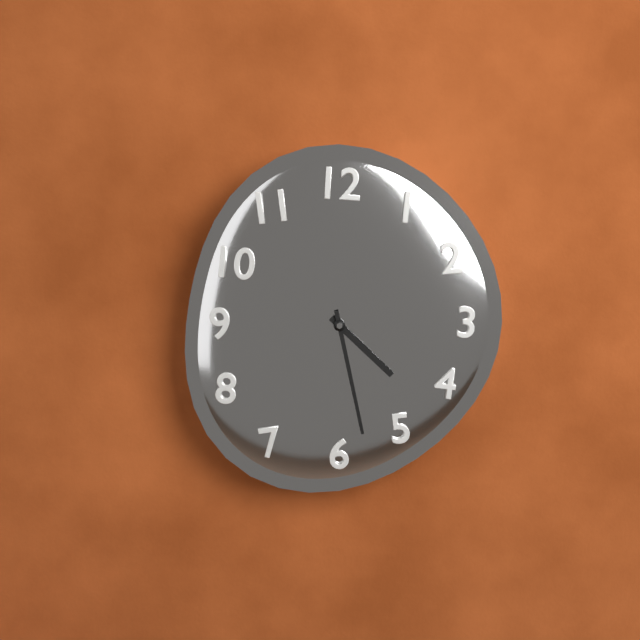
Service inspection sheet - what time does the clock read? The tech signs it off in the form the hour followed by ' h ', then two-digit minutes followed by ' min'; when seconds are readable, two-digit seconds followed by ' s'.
4 h 28 min
